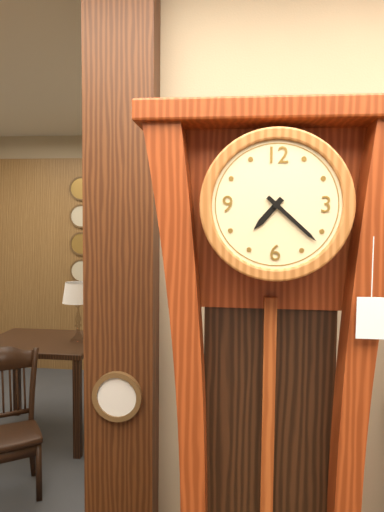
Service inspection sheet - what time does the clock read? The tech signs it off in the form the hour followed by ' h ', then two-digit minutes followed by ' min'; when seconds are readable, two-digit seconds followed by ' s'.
7 h 22 min
